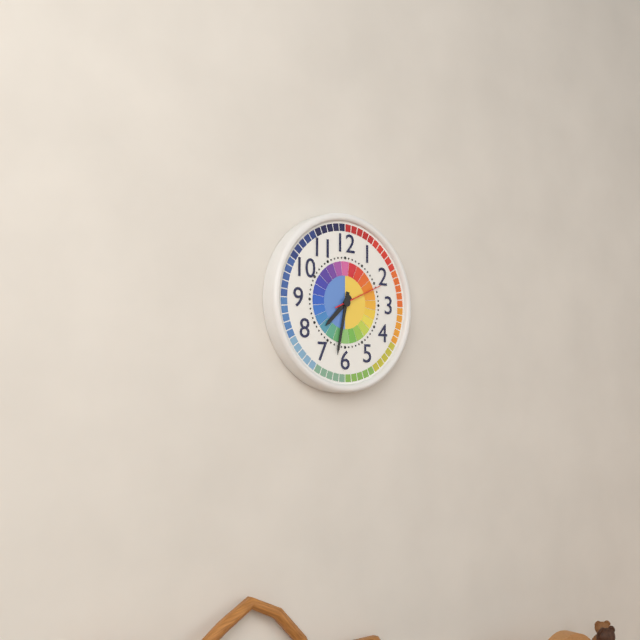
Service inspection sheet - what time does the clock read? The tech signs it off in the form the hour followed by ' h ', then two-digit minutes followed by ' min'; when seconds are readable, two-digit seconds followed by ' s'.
7 h 32 min
